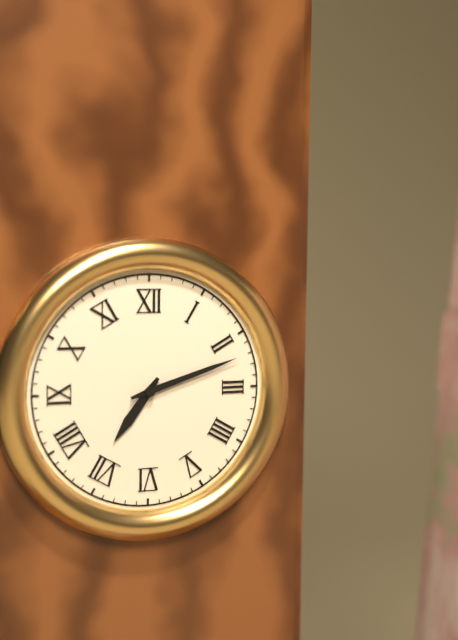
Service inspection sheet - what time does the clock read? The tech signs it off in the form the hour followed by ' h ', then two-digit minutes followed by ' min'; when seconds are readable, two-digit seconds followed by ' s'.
7 h 12 min
